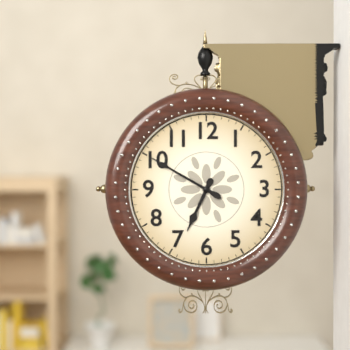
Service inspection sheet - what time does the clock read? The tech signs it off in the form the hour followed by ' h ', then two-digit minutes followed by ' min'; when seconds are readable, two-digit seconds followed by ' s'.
6 h 50 min
